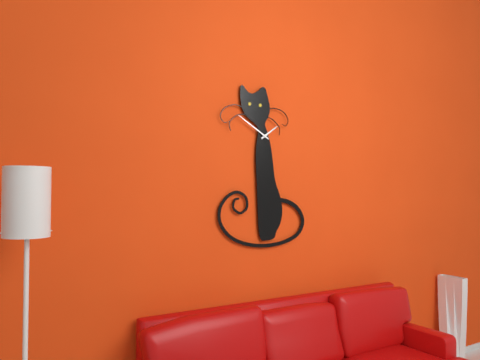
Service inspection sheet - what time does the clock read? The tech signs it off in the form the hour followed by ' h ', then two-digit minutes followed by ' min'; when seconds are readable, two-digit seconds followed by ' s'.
1 h 50 min
